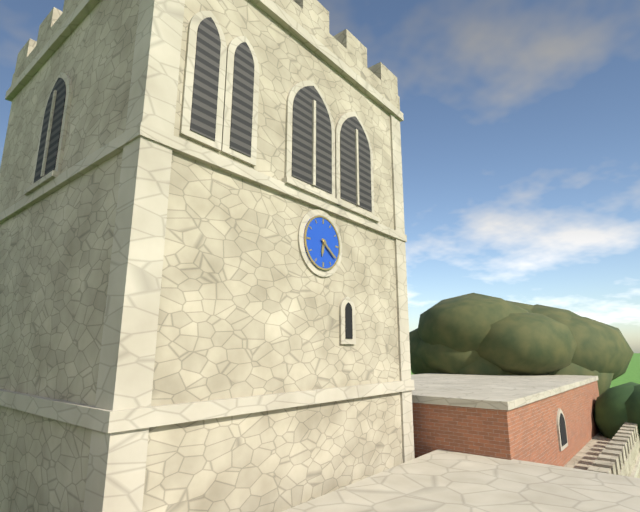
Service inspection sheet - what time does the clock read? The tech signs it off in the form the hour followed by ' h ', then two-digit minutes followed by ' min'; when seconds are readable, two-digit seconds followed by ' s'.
6 h 21 min
